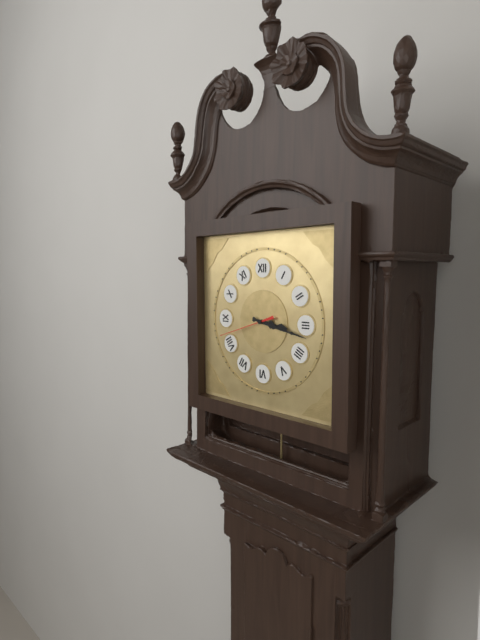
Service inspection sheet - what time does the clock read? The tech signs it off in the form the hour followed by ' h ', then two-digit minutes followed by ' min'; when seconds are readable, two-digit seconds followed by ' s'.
3 h 17 min 42 s
